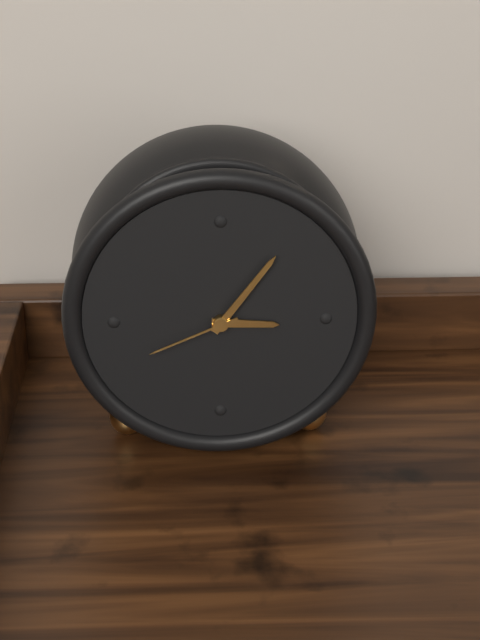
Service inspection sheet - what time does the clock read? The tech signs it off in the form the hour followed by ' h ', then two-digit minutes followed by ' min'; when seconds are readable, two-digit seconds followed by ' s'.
3 h 06 min 41 s
